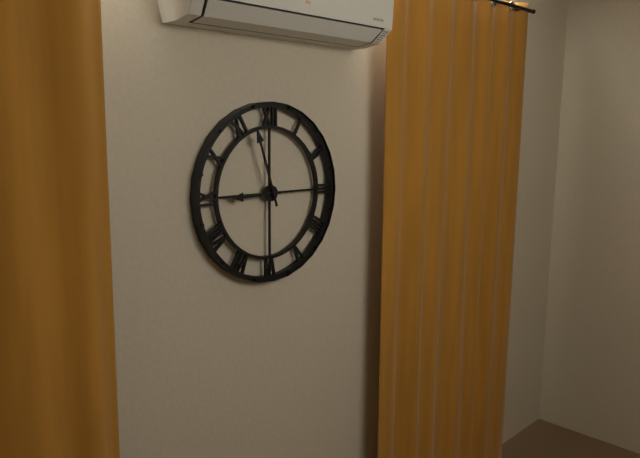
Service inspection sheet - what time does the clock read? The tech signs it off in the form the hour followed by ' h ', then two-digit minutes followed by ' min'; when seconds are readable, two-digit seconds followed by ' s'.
8 h 57 min
